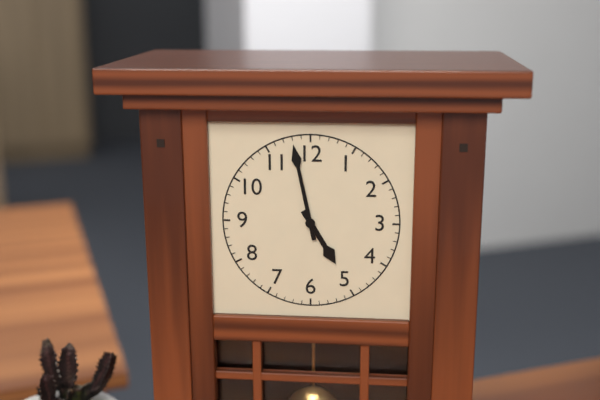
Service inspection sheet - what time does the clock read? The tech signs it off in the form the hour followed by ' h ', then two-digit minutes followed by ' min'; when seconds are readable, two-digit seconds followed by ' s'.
4 h 58 min
